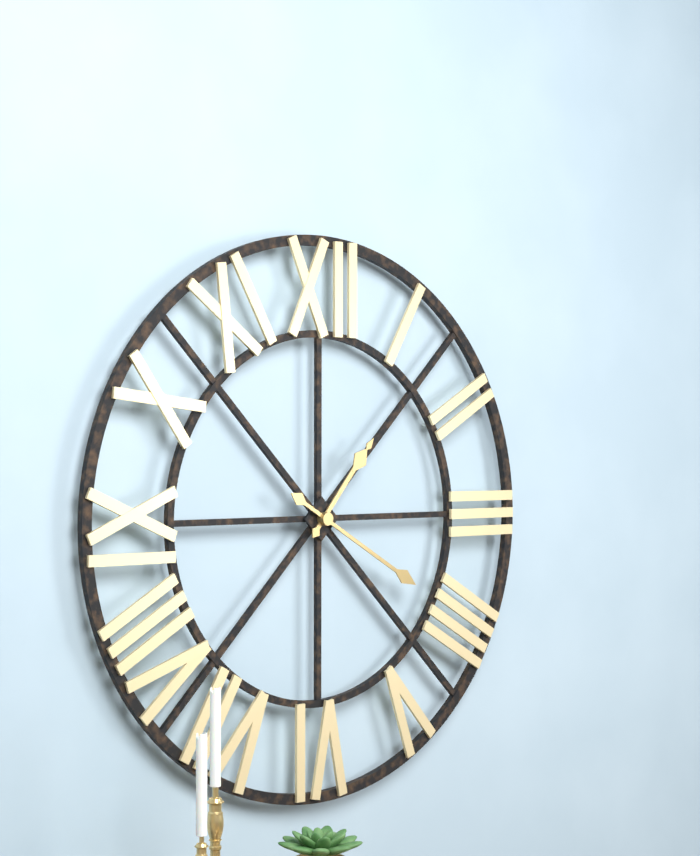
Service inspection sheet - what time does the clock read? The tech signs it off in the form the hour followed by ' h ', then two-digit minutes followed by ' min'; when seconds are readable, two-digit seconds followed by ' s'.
1 h 20 min
